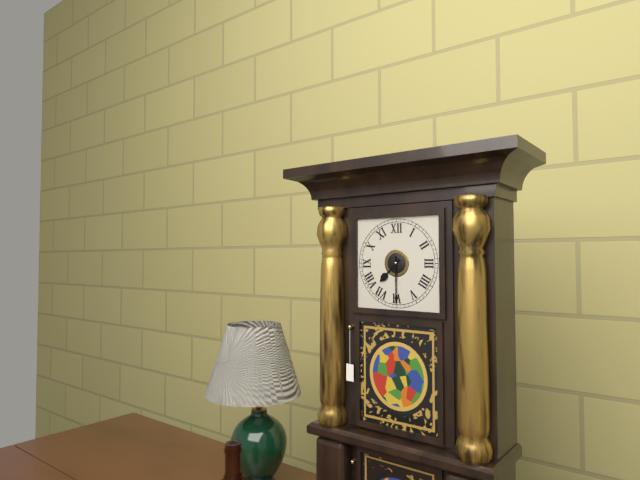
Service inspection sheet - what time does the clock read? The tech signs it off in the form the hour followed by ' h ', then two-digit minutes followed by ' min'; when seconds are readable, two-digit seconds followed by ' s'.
7 h 30 min
